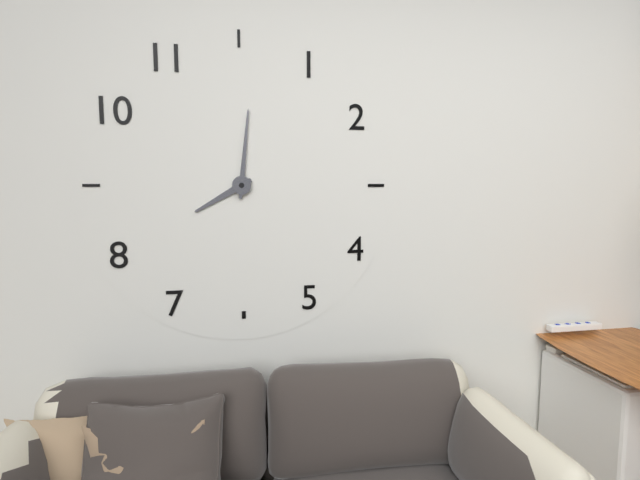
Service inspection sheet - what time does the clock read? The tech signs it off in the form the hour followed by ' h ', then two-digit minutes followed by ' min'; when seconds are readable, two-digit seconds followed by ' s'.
8 h 01 min
